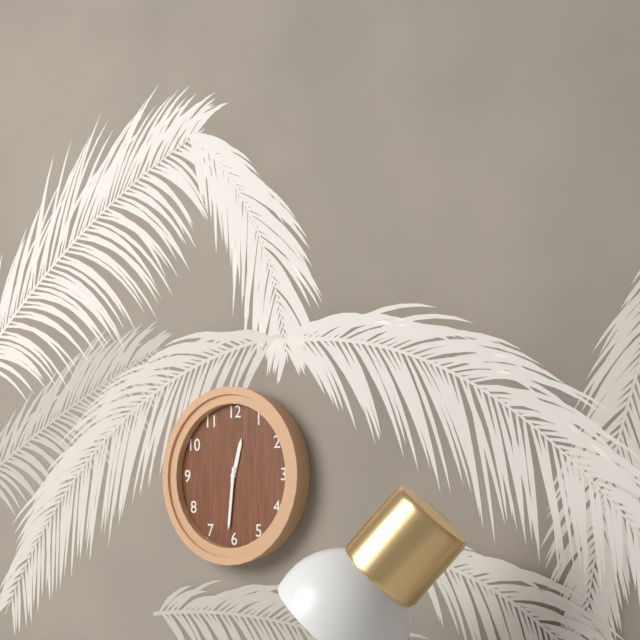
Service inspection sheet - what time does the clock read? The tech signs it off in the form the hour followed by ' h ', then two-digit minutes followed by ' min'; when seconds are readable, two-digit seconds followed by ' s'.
12 h 31 min
